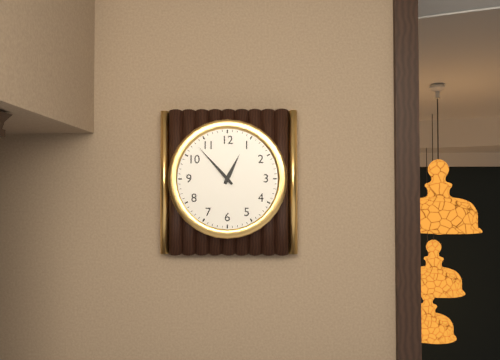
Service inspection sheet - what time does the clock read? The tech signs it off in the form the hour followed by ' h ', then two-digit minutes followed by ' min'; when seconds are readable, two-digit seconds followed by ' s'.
12 h 53 min
